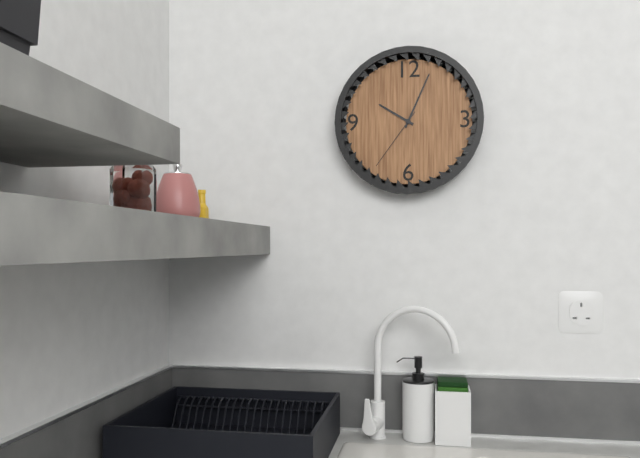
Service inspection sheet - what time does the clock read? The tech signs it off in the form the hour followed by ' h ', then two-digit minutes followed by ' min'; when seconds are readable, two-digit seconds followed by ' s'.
10 h 04 min 36 s
